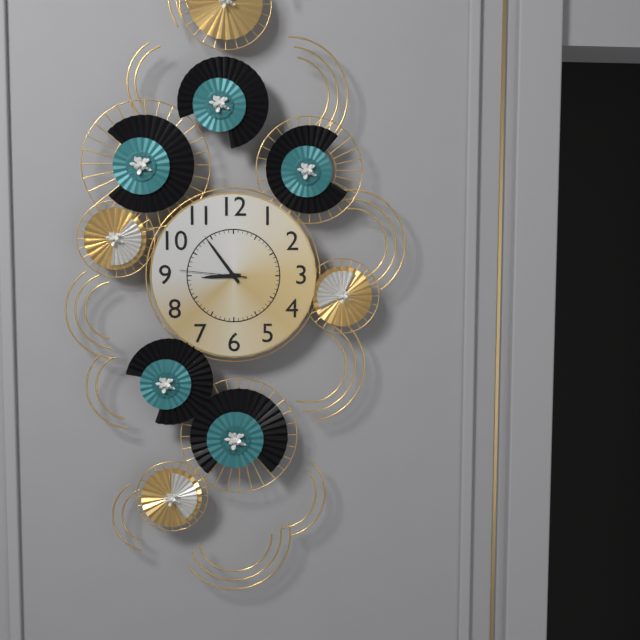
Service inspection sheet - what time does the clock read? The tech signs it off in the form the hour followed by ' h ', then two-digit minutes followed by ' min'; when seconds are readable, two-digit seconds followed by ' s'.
8 h 54 min 46 s
